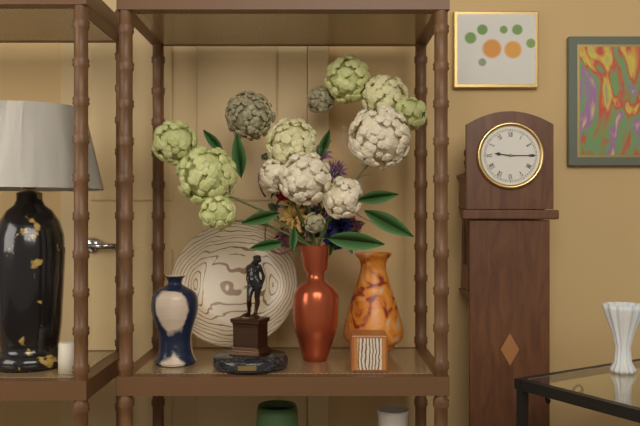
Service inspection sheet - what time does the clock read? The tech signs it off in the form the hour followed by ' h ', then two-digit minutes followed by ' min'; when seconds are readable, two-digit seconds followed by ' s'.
9 h 15 min
